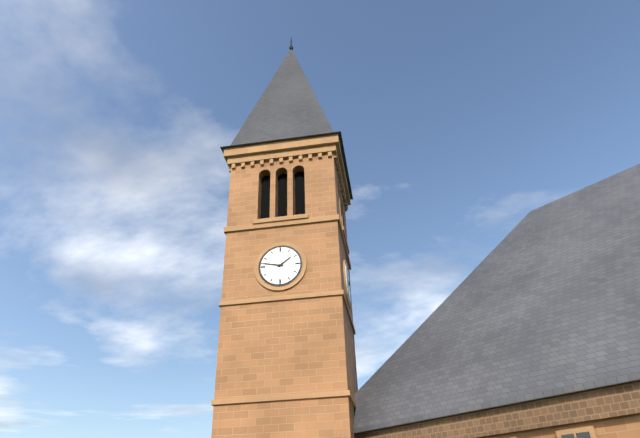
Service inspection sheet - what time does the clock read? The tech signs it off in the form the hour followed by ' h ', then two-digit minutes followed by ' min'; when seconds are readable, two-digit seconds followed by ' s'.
1 h 47 min
